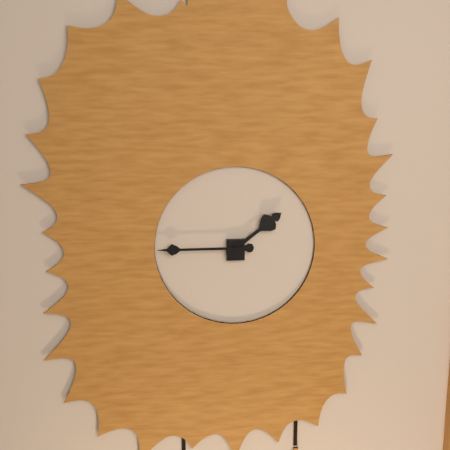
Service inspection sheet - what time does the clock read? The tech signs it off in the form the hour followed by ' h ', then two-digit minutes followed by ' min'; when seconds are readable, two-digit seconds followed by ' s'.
1 h 45 min
